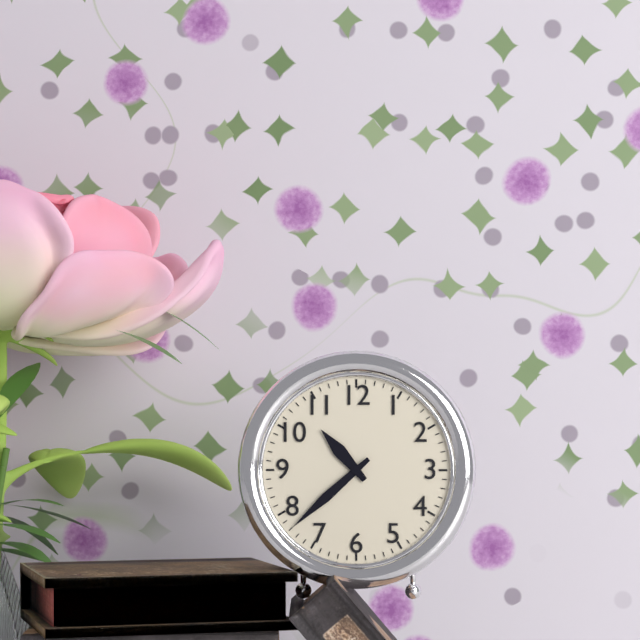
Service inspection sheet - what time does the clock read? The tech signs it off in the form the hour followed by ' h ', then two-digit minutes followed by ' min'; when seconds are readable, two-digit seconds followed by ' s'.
10 h 38 min
